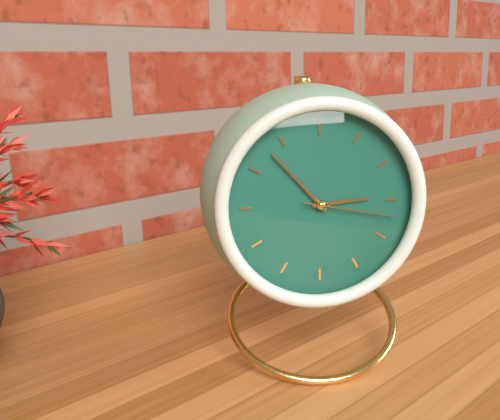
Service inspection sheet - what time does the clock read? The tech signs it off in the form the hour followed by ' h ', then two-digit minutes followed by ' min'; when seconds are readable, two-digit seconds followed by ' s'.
2 h 53 min 17 s
